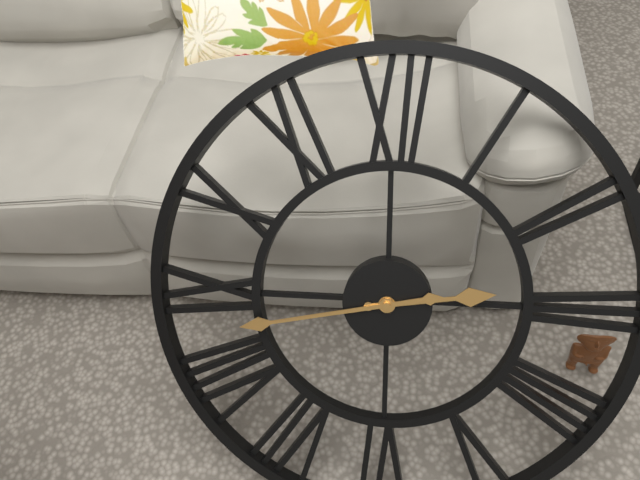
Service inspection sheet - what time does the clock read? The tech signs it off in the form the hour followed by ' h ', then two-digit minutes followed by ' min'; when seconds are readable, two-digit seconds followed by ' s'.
2 h 43 min
